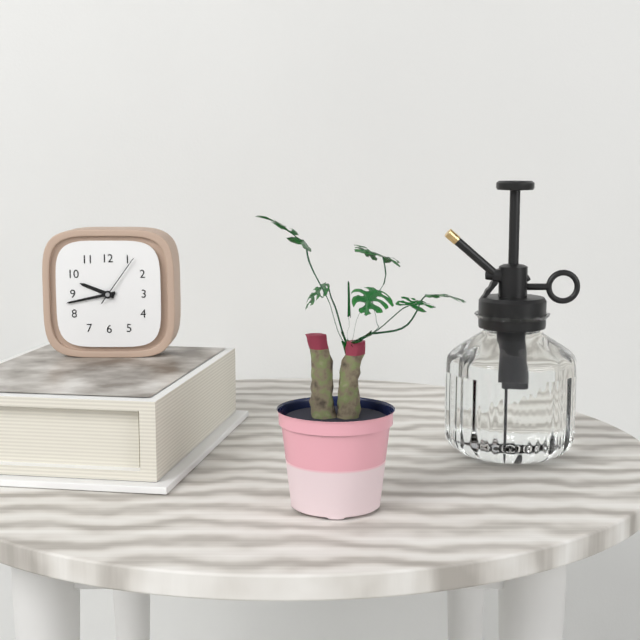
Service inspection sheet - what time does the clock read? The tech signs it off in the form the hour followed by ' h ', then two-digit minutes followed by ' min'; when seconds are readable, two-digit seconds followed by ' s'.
9 h 43 min 06 s
